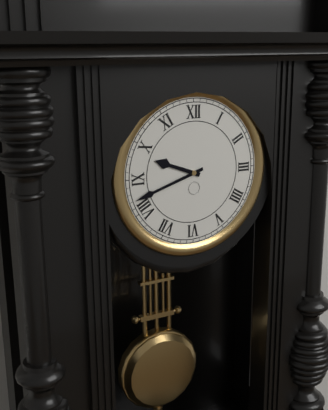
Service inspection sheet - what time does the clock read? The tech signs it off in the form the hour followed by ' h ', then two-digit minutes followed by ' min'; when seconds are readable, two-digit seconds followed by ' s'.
9 h 42 min
